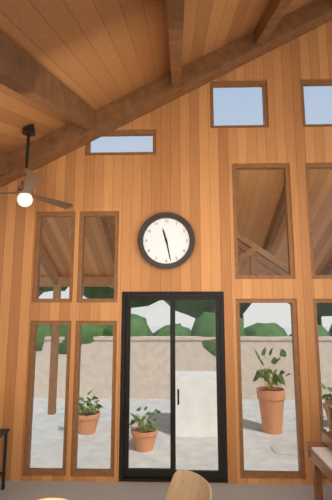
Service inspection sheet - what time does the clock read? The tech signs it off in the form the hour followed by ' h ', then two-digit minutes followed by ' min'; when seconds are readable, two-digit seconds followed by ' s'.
11 h 28 min
